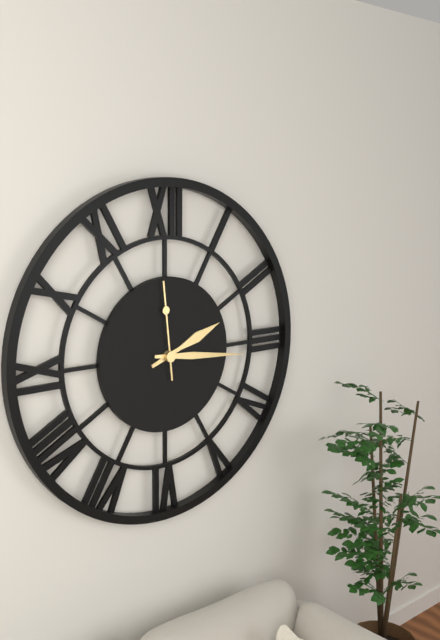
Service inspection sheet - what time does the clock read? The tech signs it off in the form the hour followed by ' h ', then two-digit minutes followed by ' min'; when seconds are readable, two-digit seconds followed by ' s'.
2 h 16 min 59 s
